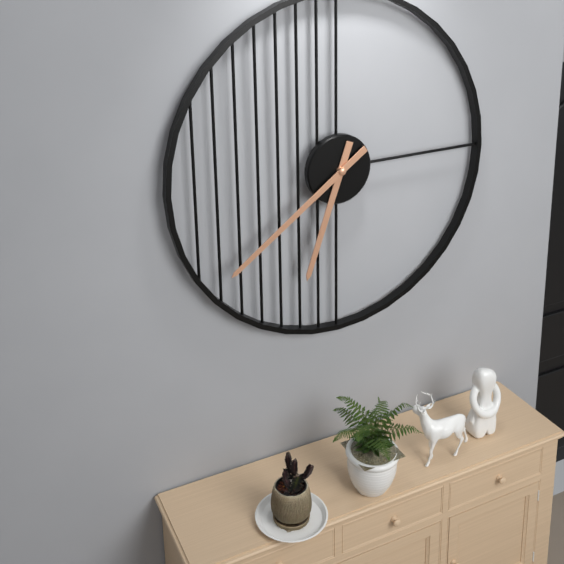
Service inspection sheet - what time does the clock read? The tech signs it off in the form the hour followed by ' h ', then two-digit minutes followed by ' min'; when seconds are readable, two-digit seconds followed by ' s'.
6 h 39 min
